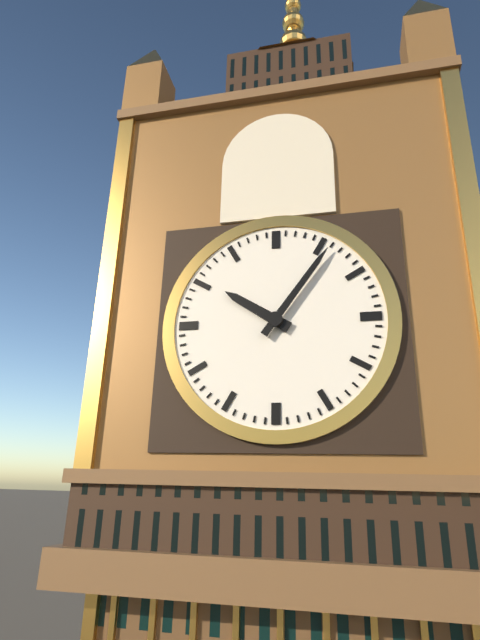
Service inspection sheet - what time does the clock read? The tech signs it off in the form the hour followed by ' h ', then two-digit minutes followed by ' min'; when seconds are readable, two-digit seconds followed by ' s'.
10 h 06 min
